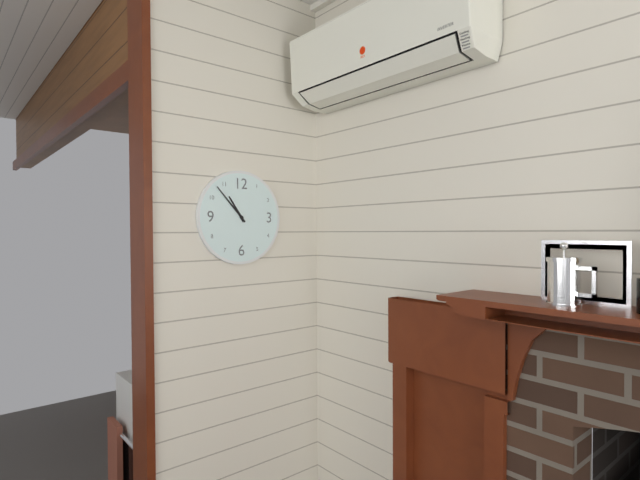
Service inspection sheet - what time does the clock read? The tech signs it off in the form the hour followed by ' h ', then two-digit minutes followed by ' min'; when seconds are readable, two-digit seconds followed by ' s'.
10 h 53 min
